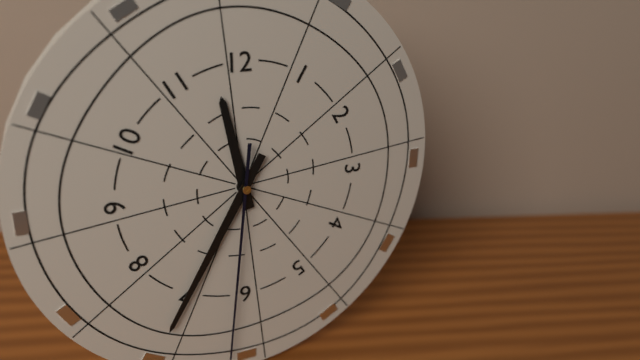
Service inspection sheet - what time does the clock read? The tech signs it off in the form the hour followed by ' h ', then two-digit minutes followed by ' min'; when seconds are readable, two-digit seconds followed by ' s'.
11 h 35 min 31 s
